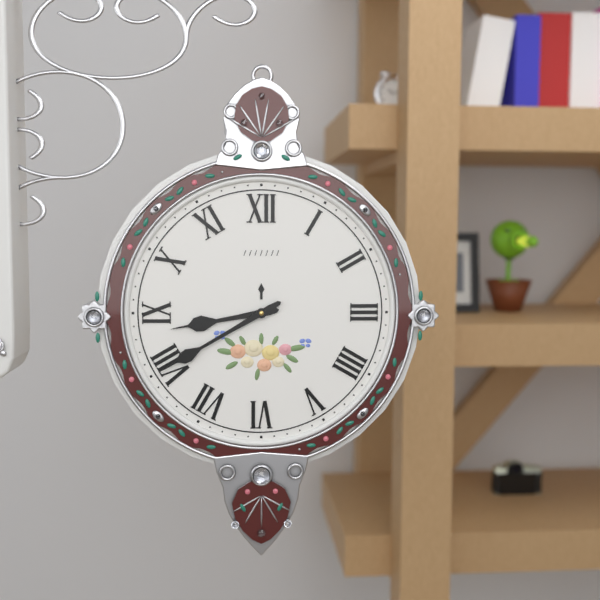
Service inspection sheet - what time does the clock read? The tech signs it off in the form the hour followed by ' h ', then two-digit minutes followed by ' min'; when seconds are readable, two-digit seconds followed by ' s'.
8 h 40 min
